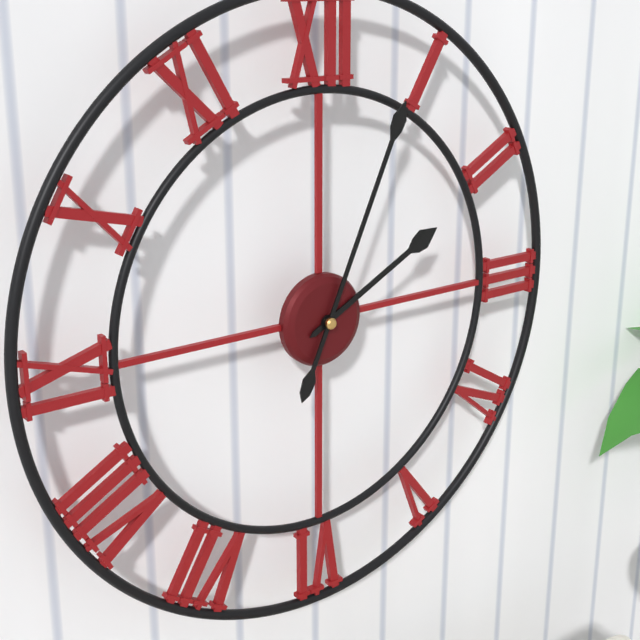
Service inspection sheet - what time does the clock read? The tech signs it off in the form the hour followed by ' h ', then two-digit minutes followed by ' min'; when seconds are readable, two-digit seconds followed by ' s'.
2 h 04 min
